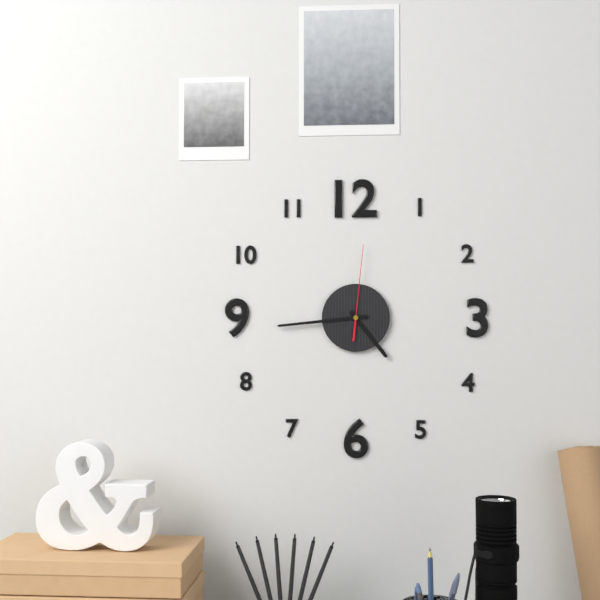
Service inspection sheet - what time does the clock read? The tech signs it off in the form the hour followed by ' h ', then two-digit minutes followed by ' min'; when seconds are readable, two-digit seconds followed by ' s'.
4 h 44 min 01 s
